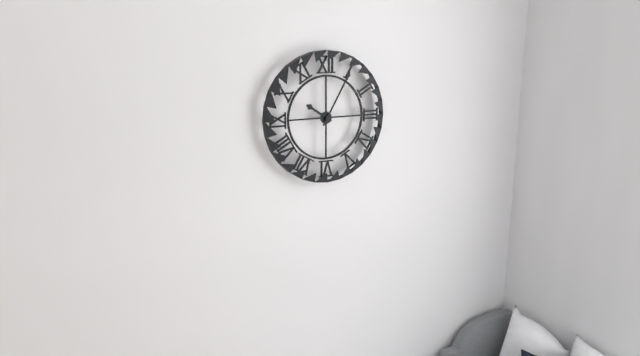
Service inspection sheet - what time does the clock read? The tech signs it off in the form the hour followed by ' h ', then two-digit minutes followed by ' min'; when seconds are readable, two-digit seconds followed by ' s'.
10 h 05 min
